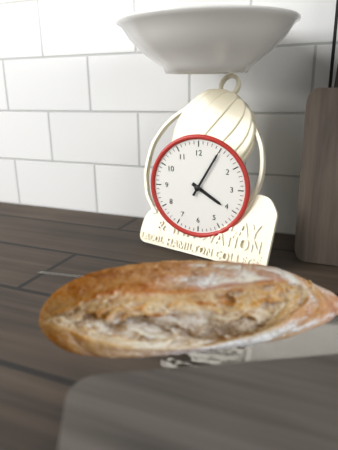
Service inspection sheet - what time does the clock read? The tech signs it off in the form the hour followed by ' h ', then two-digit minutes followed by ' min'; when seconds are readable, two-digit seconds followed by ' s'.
4 h 05 min
